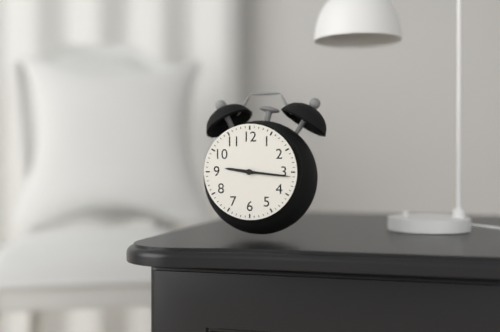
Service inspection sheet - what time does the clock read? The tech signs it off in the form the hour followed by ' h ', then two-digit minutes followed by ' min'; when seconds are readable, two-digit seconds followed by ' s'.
9 h 16 min
